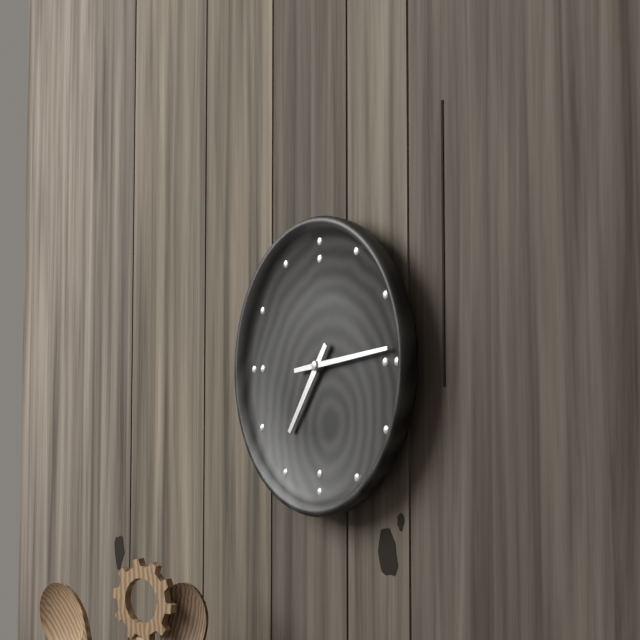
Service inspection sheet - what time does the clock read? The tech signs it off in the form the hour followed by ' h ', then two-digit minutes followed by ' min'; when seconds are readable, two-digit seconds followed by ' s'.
7 h 14 min
